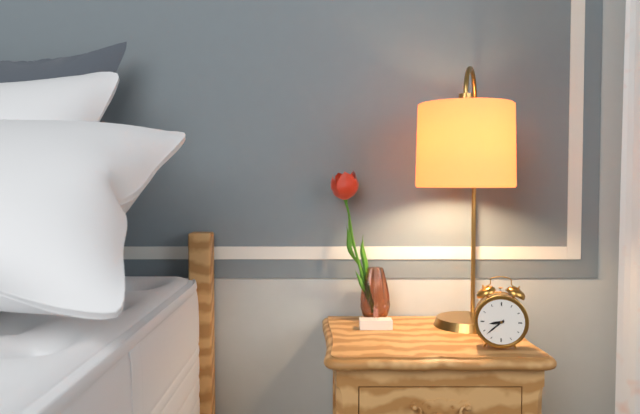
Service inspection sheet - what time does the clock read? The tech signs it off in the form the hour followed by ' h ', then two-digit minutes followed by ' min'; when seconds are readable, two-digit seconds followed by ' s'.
8 h 38 min
